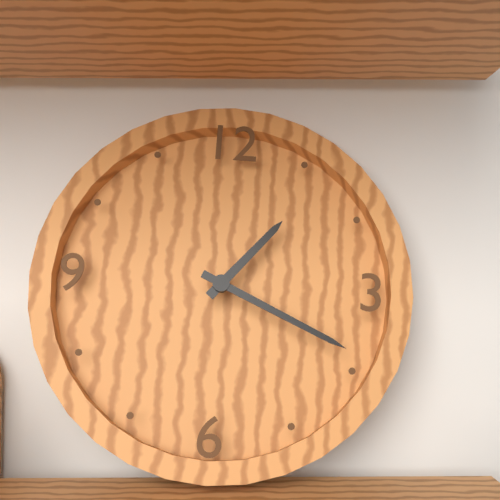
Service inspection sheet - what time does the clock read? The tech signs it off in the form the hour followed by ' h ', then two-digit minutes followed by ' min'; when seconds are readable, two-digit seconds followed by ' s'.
1 h 19 min
